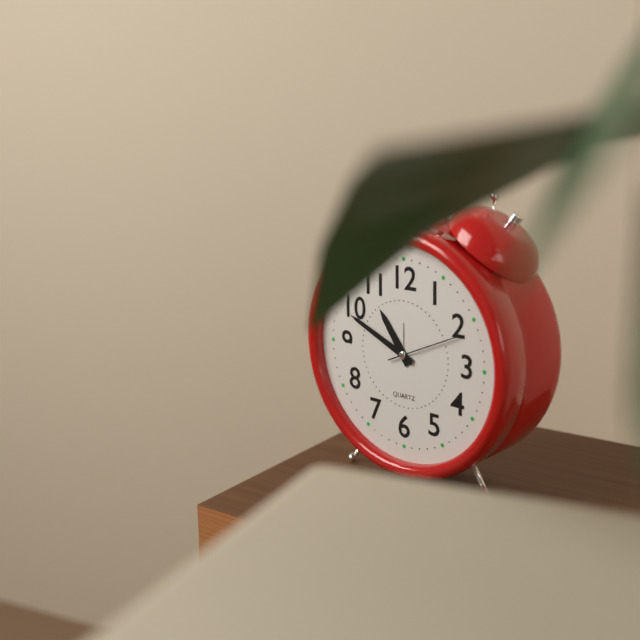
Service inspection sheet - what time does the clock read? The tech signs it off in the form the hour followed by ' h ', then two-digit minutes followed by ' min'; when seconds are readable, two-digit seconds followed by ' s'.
10 h 49 min 11 s
